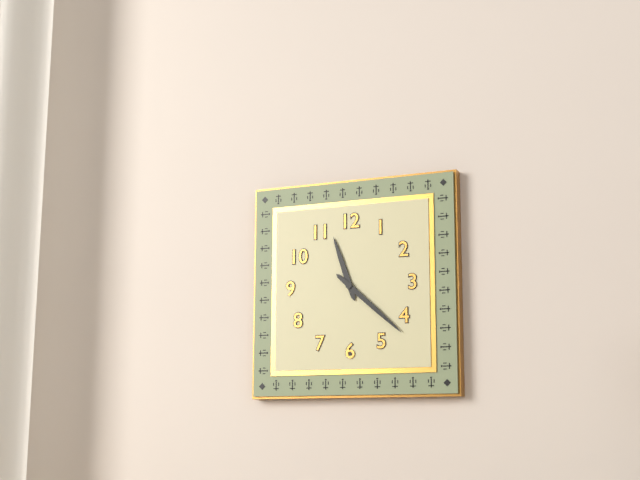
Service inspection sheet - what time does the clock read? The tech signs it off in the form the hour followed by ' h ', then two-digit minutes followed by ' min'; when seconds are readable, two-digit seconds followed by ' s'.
11 h 22 min
